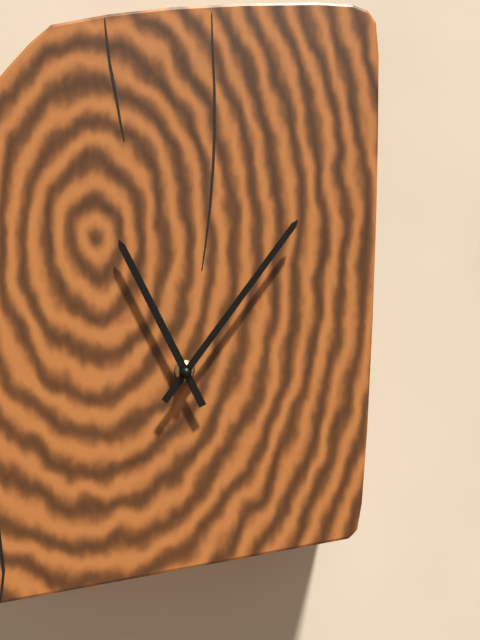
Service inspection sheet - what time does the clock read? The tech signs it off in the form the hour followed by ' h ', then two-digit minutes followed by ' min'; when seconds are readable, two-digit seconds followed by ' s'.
11 h 06 min
